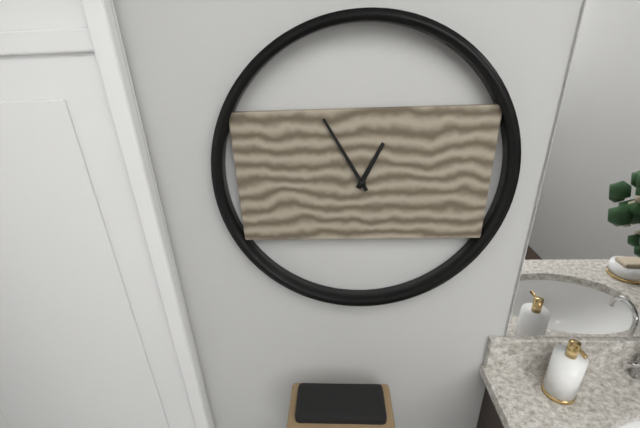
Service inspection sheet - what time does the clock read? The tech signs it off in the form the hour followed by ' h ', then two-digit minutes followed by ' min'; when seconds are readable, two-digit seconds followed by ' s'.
12 h 55 min
